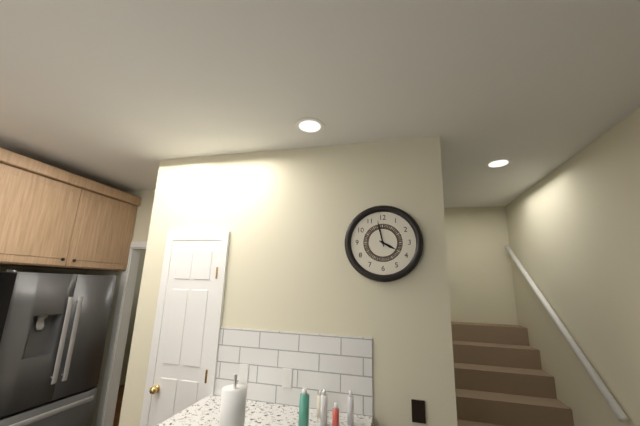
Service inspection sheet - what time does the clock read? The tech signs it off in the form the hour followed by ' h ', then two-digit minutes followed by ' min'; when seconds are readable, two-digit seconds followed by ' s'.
3 h 58 min
